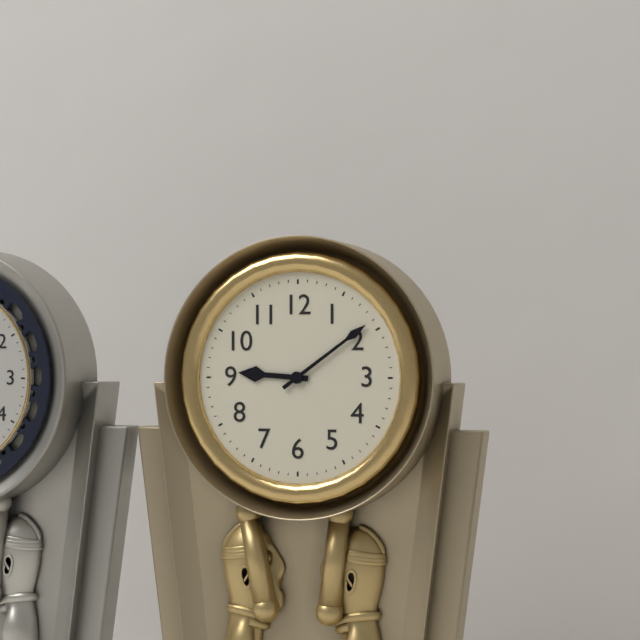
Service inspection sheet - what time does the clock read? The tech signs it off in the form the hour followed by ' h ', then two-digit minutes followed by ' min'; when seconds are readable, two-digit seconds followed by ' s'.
9 h 09 min
